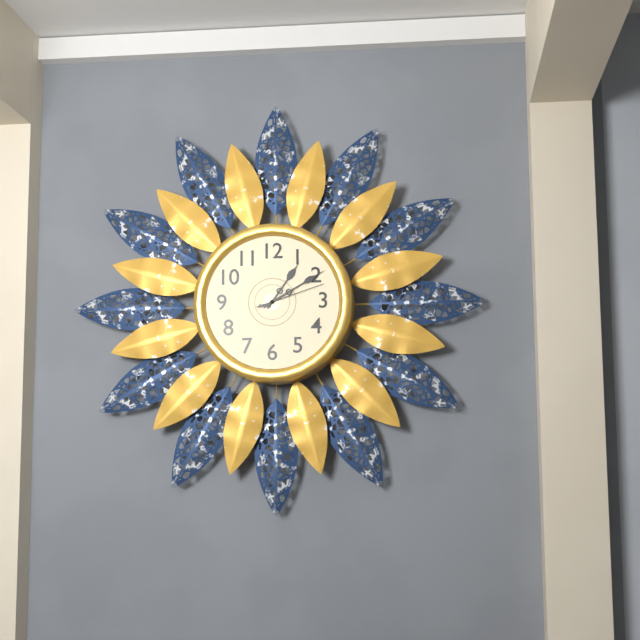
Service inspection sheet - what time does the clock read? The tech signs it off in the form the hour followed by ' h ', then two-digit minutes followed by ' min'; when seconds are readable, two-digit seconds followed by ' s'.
1 h 10 min 12 s
